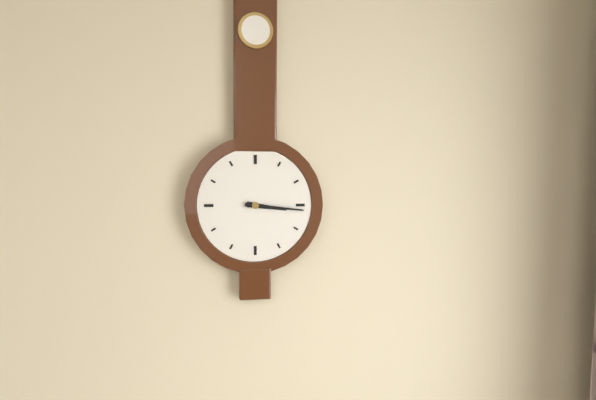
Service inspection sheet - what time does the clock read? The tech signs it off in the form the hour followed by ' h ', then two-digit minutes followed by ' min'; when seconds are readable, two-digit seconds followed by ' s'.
3 h 16 min
